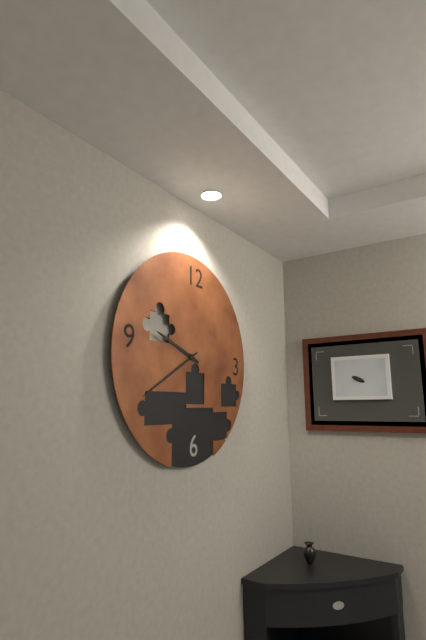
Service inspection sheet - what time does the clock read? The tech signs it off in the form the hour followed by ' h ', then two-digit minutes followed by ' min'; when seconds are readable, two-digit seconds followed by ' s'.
9 h 40 min
